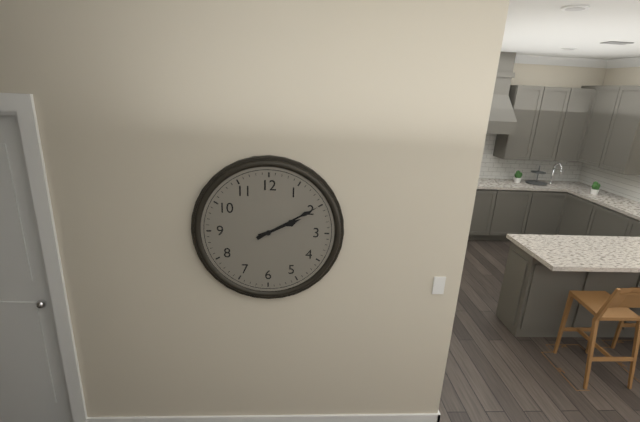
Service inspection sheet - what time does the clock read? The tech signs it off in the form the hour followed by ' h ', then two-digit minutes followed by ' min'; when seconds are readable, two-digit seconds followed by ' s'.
2 h 10 min
